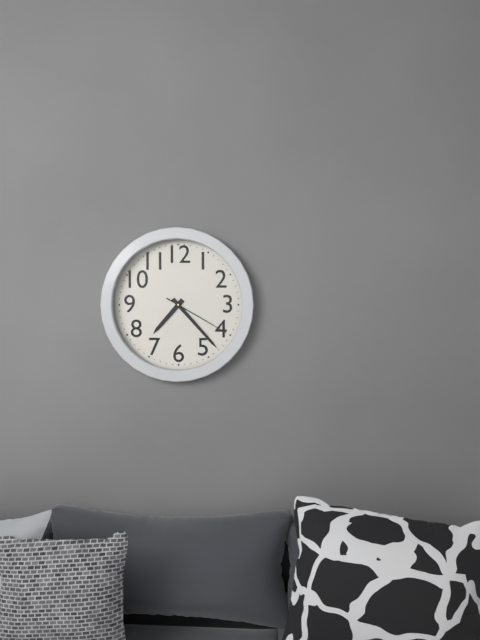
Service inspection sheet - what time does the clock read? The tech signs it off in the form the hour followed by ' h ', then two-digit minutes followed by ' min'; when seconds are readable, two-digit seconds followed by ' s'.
7 h 23 min 20 s
